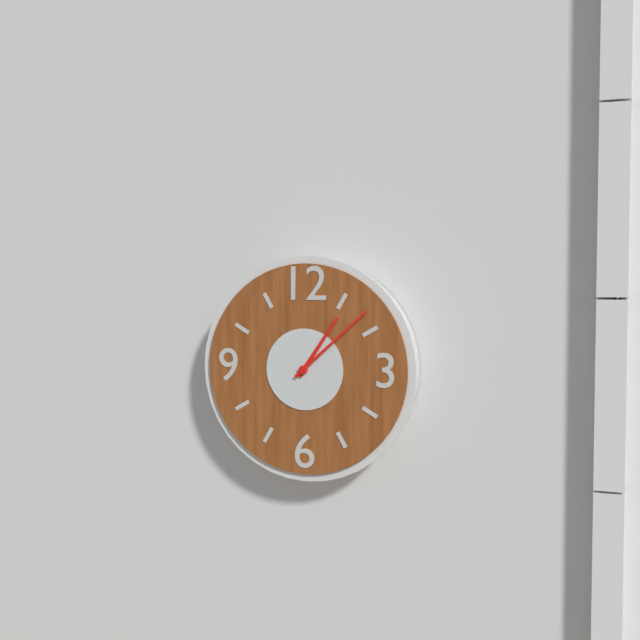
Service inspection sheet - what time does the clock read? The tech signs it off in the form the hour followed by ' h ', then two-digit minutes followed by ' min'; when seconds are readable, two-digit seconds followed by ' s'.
1 h 08 min
